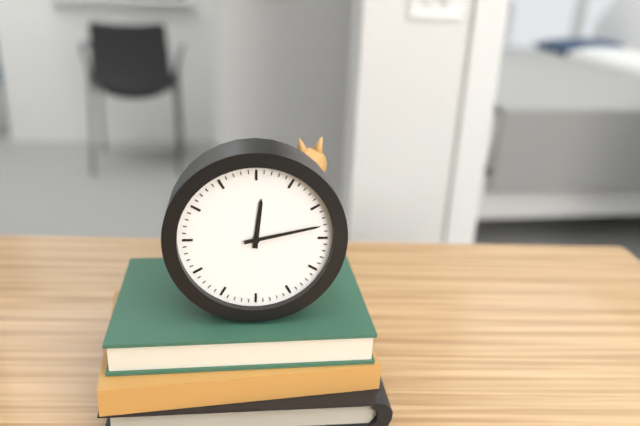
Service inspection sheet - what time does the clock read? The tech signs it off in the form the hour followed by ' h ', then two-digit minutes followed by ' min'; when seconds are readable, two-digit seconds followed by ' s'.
12 h 13 min
